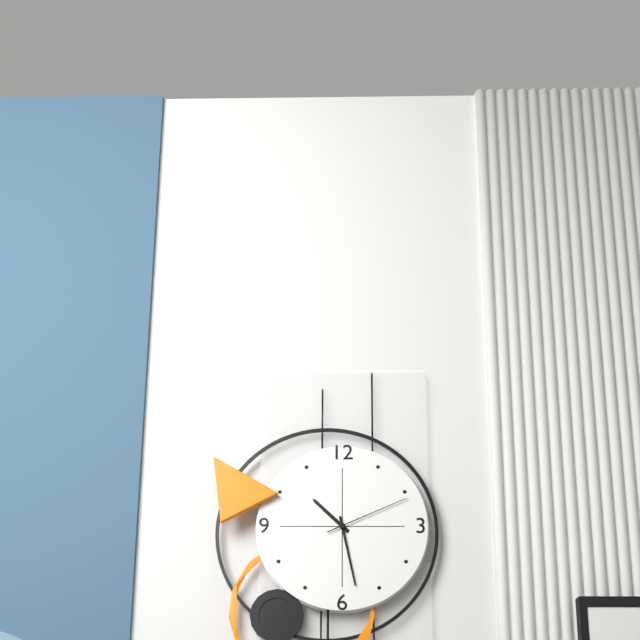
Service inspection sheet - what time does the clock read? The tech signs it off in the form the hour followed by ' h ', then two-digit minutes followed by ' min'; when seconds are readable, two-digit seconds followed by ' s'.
10 h 28 min 11 s
